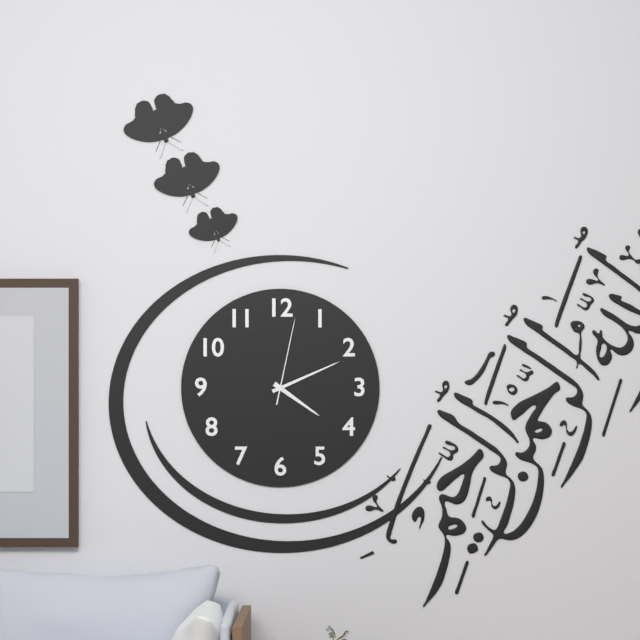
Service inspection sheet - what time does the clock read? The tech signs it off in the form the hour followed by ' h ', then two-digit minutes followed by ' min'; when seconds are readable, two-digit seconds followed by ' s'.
4 h 11 min 02 s
